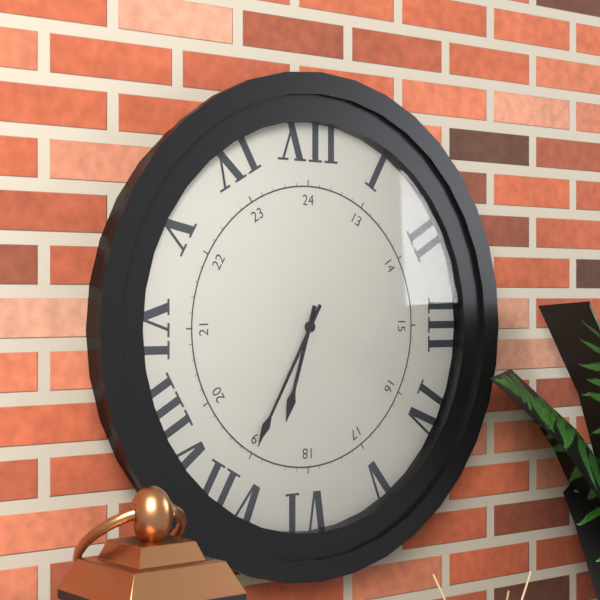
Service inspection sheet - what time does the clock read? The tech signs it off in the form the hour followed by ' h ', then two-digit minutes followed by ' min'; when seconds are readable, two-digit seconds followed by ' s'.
6 h 35 min
